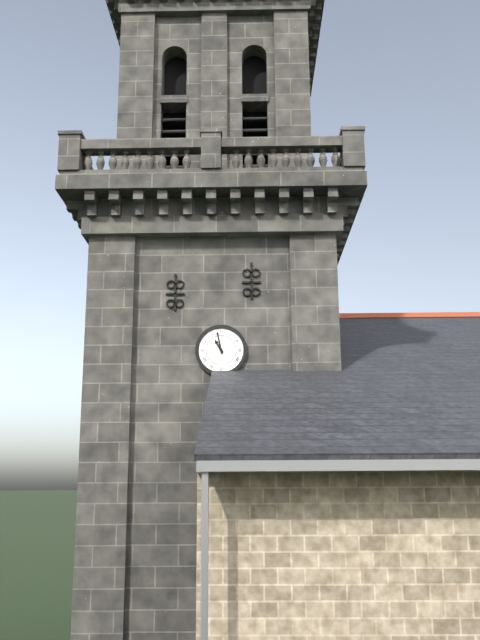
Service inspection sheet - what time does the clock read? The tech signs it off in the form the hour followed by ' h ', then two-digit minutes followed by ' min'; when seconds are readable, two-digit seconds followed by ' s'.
10 h 58 min
